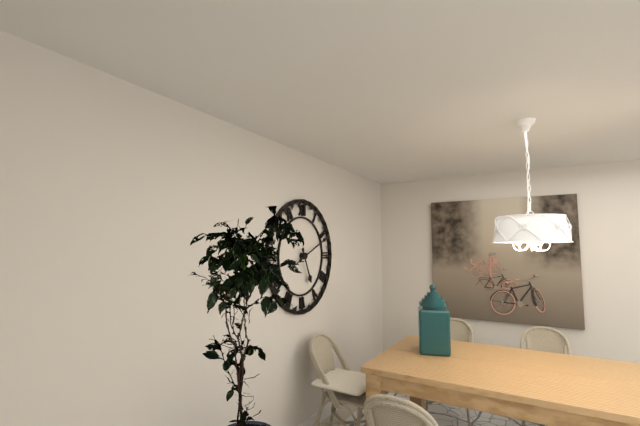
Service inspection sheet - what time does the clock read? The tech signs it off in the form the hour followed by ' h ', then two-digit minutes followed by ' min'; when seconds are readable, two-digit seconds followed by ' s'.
5 h 11 min
